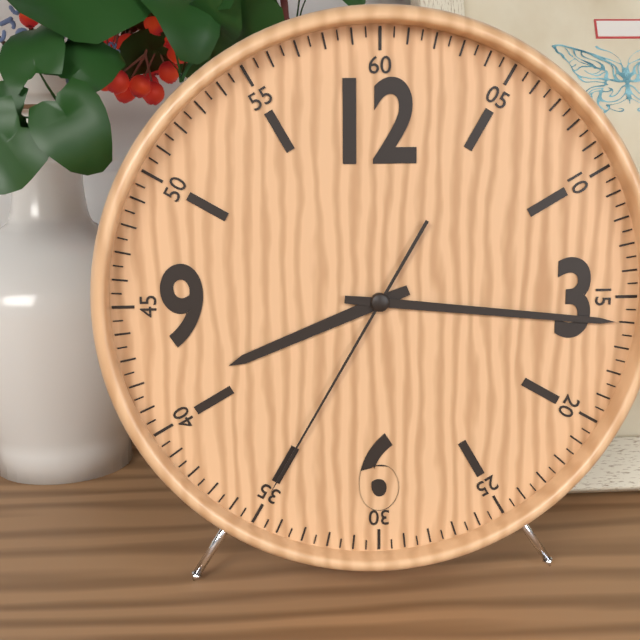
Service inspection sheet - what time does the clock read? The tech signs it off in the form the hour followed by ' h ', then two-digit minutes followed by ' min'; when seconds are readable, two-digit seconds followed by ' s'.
8 h 16 min 35 s
